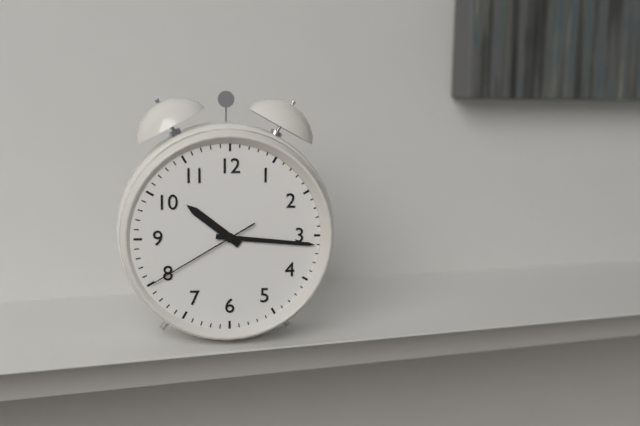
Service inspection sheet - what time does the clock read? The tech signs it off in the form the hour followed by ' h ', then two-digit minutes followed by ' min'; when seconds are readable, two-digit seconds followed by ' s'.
10 h 16 min 40 s
